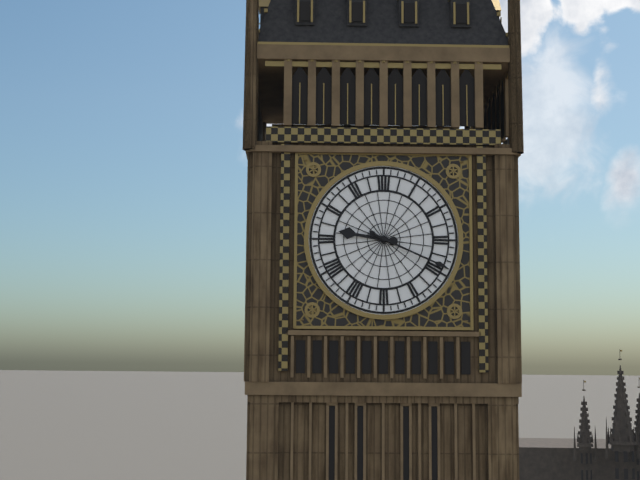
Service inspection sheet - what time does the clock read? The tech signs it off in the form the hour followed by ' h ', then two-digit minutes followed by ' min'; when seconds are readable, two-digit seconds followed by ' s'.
9 h 19 min
